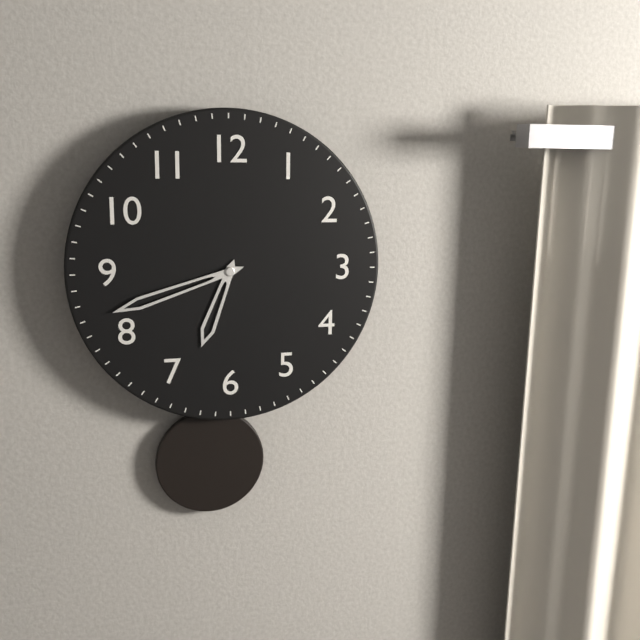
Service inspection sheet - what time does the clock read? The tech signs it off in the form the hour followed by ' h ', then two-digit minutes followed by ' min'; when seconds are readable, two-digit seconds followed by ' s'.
6 h 42 min
